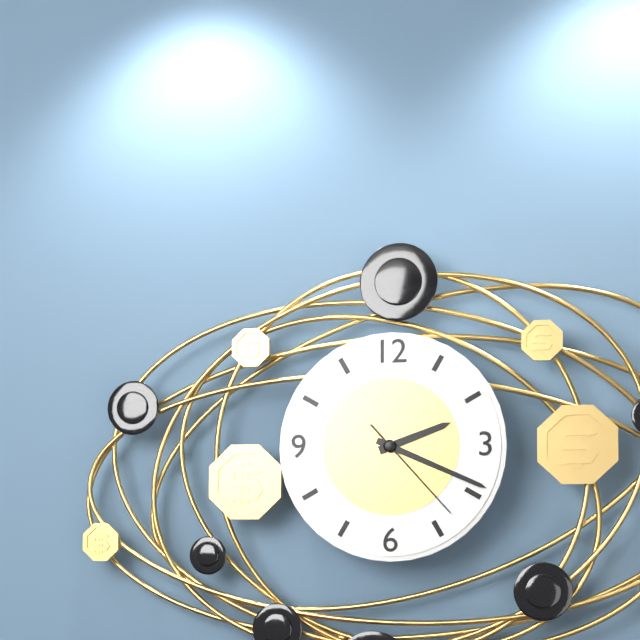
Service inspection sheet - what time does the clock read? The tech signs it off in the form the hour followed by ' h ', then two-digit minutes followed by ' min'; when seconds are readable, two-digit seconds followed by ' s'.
2 h 19 min 23 s
